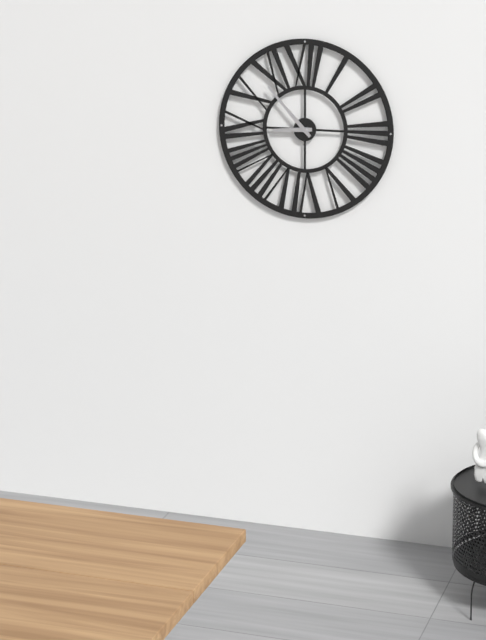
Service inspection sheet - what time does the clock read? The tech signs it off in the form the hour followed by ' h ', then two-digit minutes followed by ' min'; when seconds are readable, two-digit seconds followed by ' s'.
8 h 53 min
